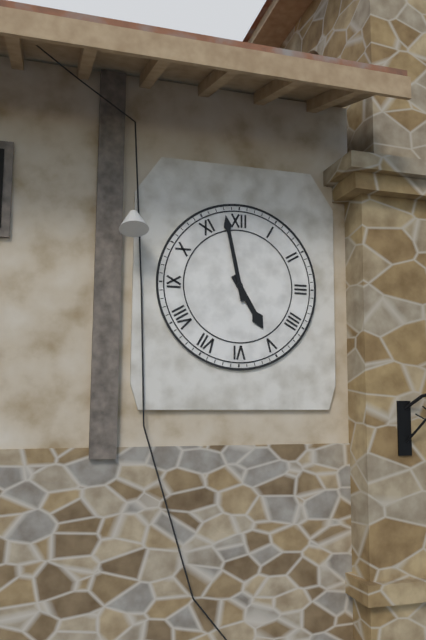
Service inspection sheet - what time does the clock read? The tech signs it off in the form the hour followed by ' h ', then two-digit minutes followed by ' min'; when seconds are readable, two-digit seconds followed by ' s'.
4 h 58 min
